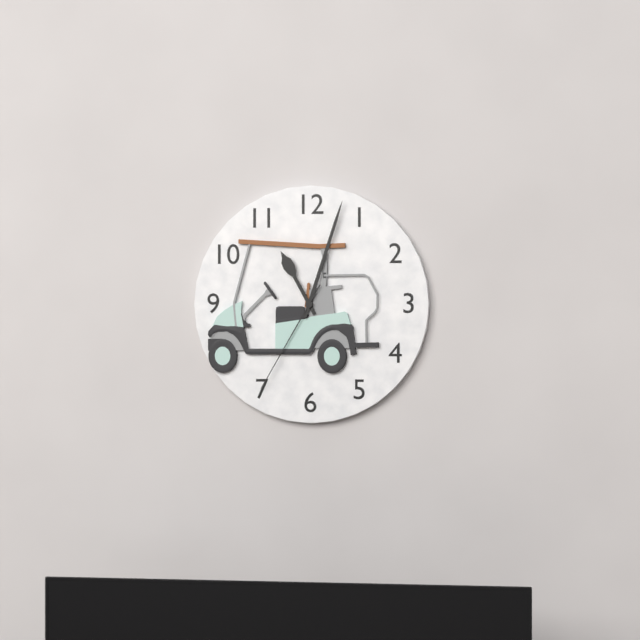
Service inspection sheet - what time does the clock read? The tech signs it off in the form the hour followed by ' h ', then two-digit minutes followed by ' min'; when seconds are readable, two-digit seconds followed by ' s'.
11 h 03 min 35 s
